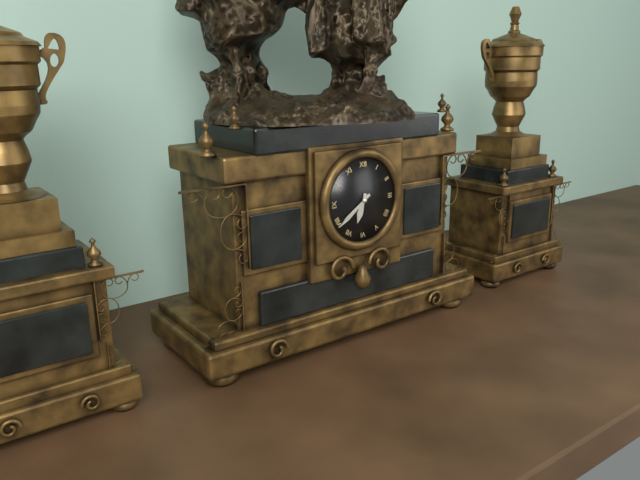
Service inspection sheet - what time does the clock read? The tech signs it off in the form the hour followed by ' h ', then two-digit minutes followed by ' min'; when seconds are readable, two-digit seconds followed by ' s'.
6 h 39 min
